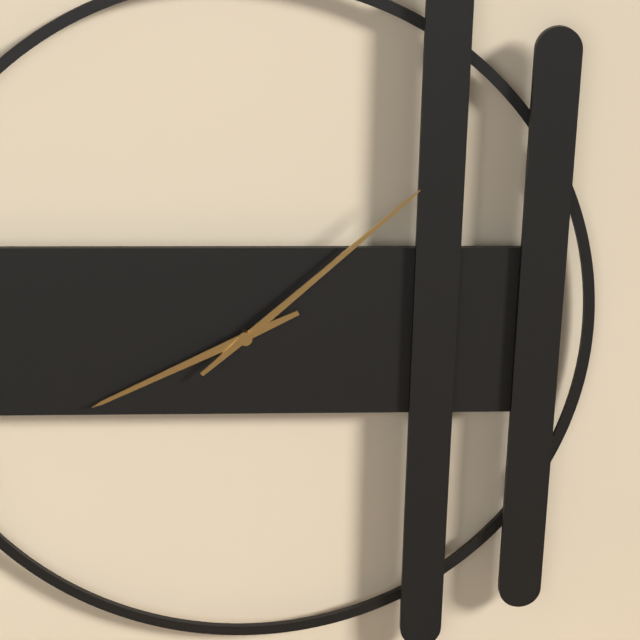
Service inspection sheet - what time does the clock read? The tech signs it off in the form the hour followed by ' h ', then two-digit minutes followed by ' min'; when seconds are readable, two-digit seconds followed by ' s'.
8 h 08 min
